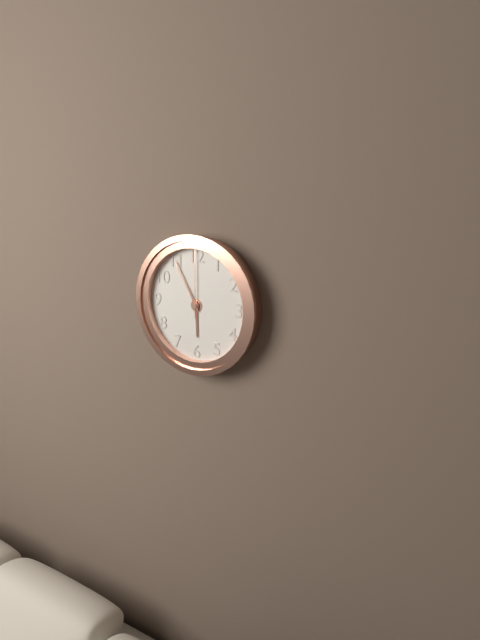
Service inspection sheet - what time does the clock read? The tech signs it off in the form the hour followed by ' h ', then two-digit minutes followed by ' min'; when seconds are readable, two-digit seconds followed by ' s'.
5 h 55 min 00 s
